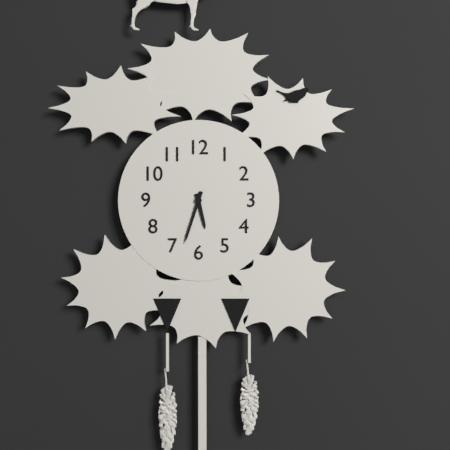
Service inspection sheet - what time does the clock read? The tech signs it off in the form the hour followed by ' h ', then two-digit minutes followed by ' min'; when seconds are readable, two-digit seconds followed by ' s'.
5 h 33 min
